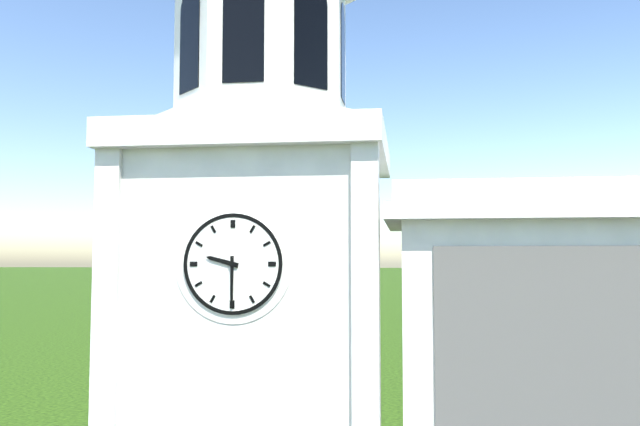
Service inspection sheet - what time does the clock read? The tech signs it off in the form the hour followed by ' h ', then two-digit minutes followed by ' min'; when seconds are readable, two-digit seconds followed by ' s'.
9 h 30 min
